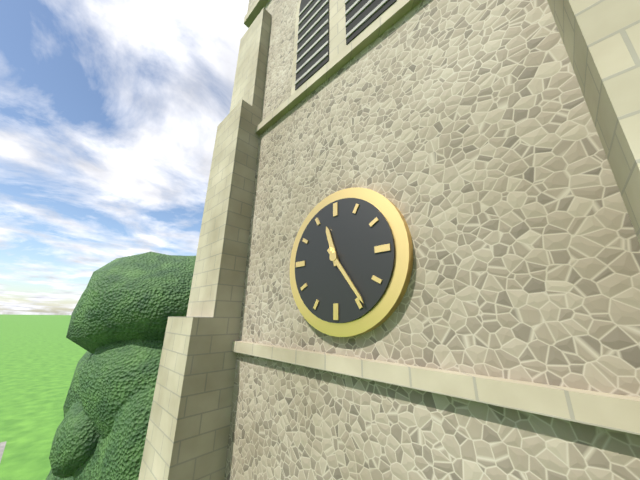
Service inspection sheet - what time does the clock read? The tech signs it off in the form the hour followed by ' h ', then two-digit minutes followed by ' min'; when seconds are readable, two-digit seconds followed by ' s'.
11 h 24 min
